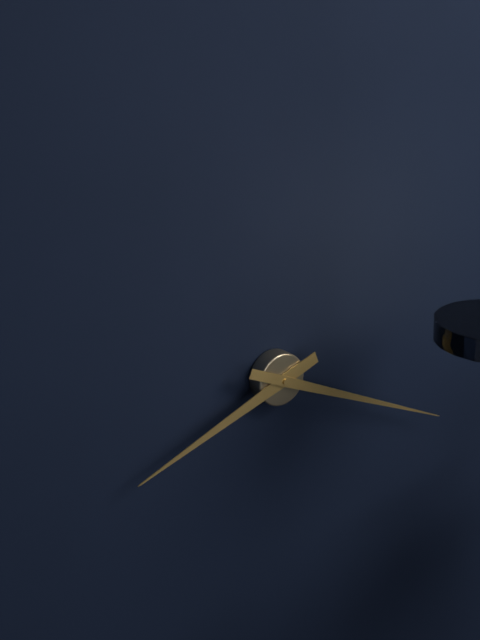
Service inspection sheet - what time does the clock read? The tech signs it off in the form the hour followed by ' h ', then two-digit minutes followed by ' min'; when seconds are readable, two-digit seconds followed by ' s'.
8 h 19 min
